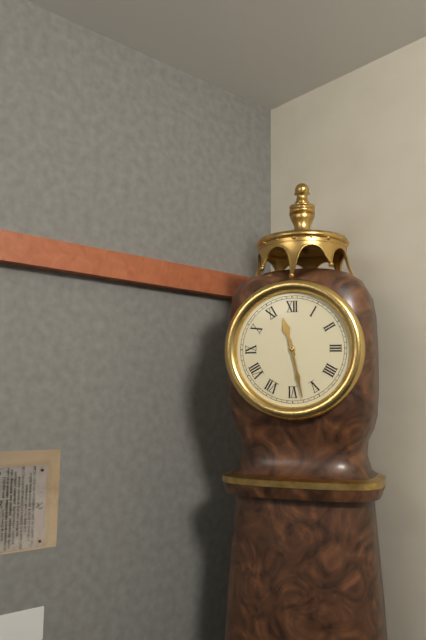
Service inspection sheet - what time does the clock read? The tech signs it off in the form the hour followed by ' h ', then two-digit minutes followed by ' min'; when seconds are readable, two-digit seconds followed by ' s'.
11 h 28 min
